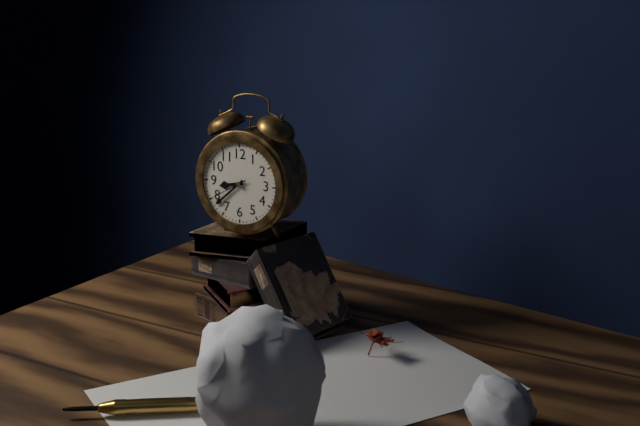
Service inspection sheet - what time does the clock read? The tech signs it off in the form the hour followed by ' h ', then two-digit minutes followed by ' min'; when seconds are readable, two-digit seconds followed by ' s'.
8 h 38 min
